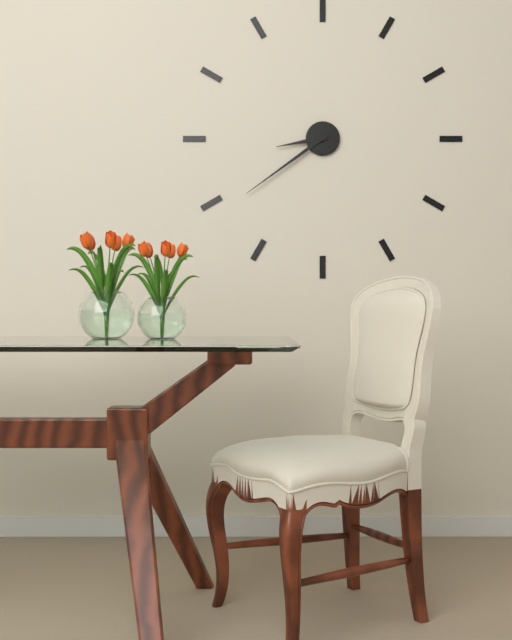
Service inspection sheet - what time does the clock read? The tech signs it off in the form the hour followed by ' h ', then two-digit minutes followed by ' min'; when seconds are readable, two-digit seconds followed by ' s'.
8 h 39 min
